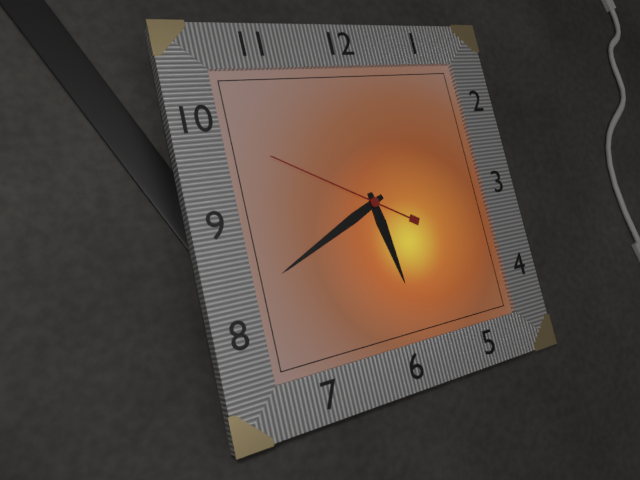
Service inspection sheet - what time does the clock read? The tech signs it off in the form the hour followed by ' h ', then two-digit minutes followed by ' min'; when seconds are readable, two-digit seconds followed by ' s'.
5 h 41 min 50 s
